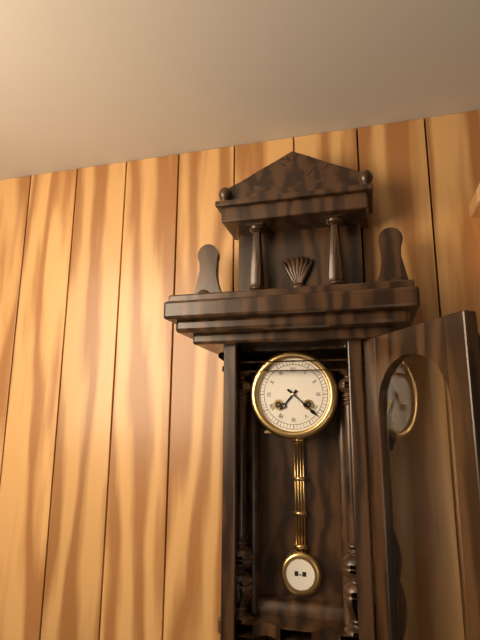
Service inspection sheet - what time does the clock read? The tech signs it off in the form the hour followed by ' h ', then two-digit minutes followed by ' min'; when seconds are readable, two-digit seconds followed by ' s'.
7 h 22 min
